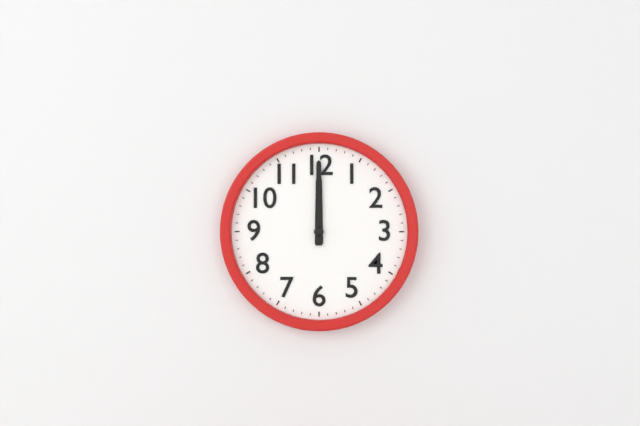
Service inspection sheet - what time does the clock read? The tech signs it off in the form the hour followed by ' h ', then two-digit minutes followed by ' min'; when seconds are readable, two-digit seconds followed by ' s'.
12 h 00 min
